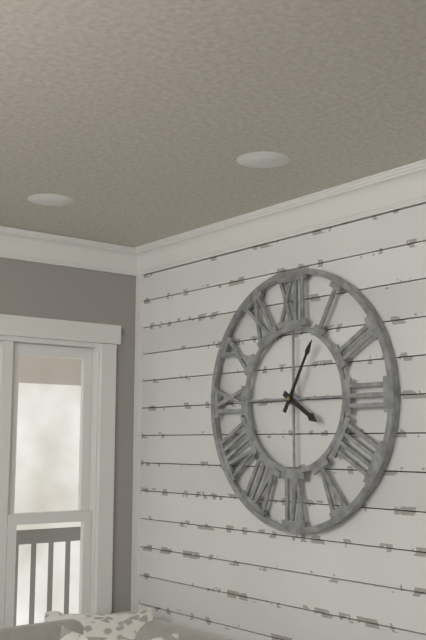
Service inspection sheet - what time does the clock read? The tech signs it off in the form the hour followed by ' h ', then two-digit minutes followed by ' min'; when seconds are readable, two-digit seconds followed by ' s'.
4 h 05 min
